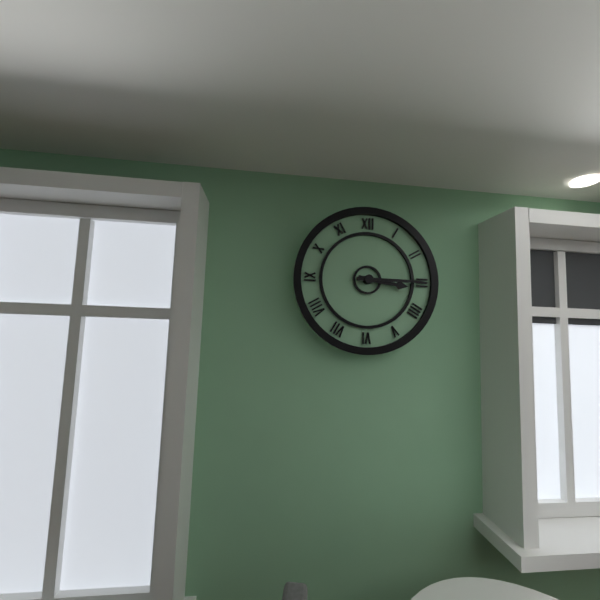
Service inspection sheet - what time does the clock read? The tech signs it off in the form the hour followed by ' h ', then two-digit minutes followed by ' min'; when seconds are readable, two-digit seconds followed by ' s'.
3 h 15 min
